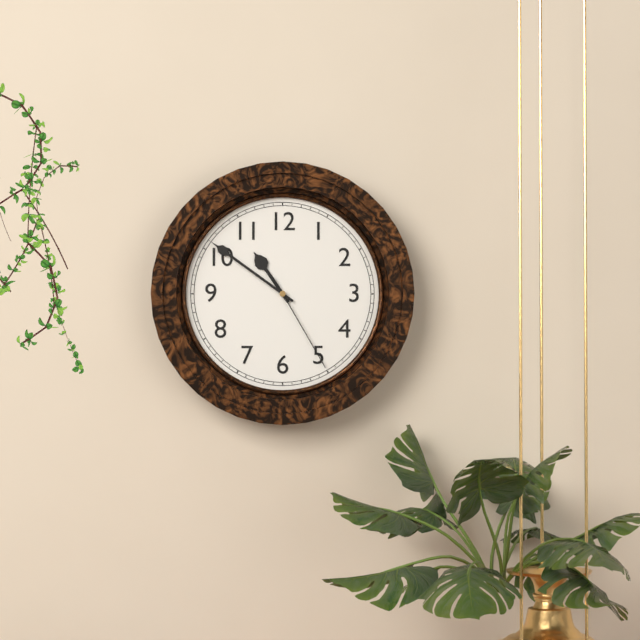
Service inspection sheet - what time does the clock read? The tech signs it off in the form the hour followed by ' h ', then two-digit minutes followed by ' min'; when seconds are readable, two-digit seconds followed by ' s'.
10 h 51 min 25 s
